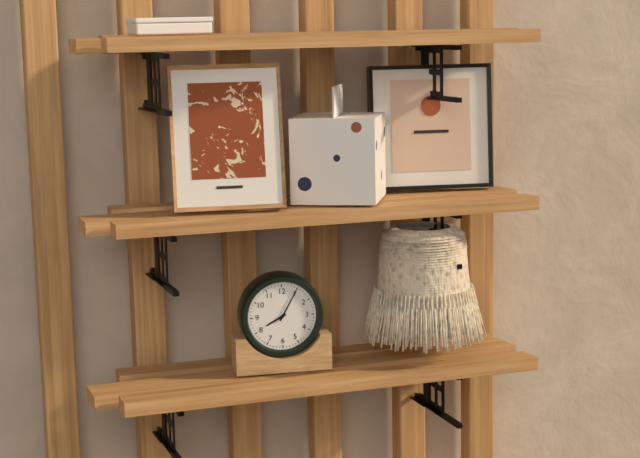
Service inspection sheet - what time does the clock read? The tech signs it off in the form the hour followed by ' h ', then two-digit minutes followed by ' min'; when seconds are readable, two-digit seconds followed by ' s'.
8 h 05 min
